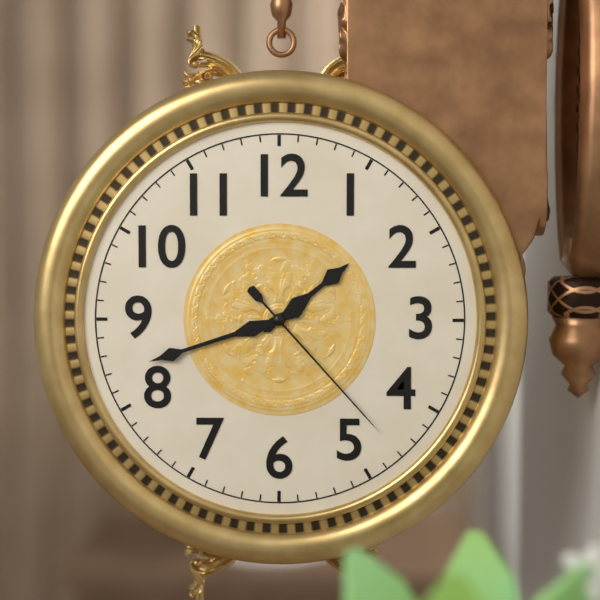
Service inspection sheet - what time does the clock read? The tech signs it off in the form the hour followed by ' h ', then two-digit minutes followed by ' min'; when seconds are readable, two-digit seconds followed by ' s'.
1 h 42 min 23 s
